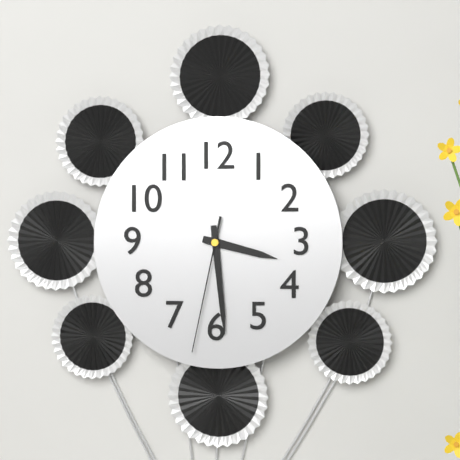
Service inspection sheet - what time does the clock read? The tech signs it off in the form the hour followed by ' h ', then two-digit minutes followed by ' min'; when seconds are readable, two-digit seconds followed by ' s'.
3 h 29 min 32 s
